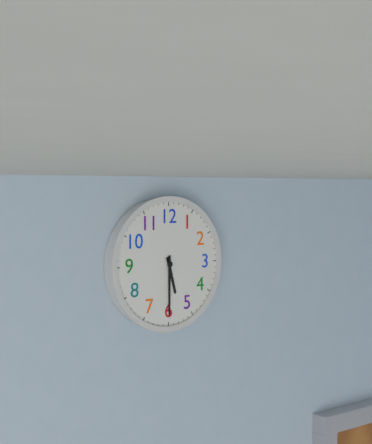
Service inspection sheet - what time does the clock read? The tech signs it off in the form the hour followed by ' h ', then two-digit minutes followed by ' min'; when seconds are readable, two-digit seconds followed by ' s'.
5 h 30 min
